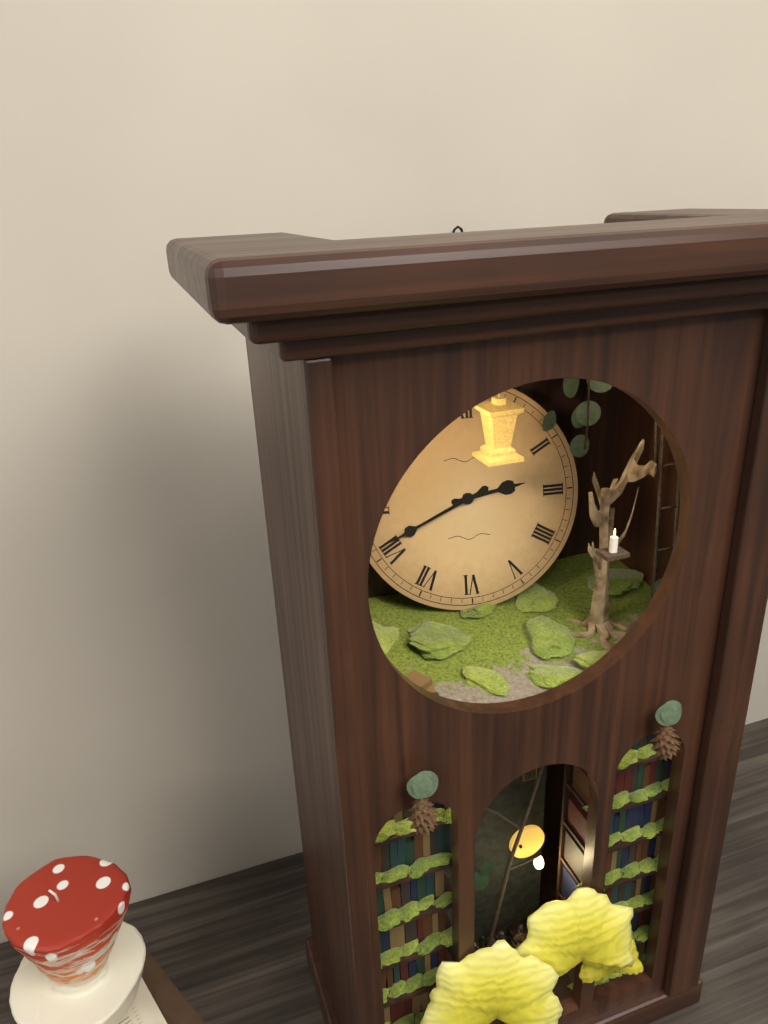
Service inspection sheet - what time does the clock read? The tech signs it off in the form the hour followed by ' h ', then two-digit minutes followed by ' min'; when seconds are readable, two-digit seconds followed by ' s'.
2 h 41 min
